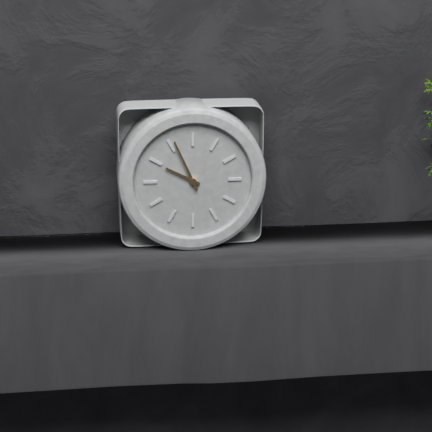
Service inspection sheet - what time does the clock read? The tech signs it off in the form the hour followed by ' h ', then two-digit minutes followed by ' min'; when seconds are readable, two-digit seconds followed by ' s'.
9 h 56 min
